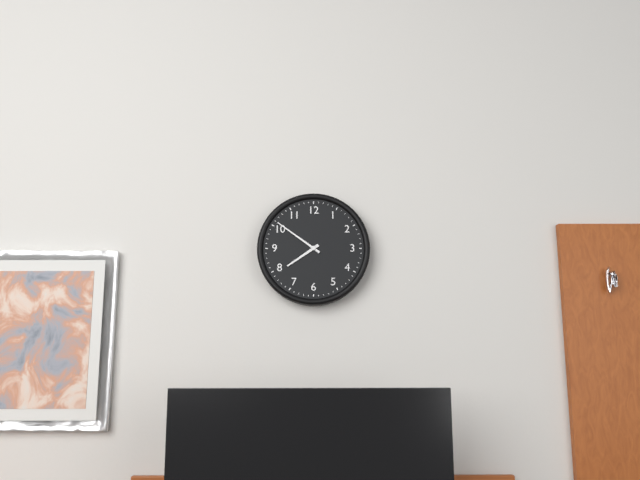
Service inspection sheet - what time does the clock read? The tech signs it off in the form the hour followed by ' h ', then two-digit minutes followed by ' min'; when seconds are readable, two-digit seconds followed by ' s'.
7 h 51 min
